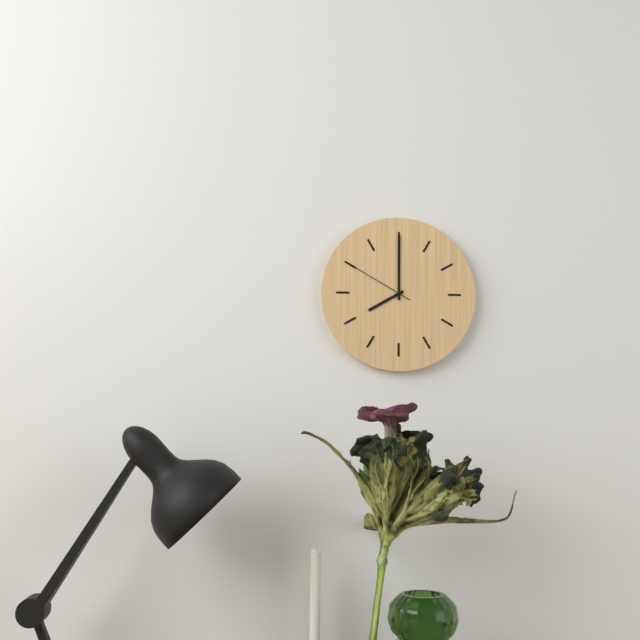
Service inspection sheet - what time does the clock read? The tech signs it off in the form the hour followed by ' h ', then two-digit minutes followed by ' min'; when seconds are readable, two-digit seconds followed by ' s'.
8 h 00 min 50 s
